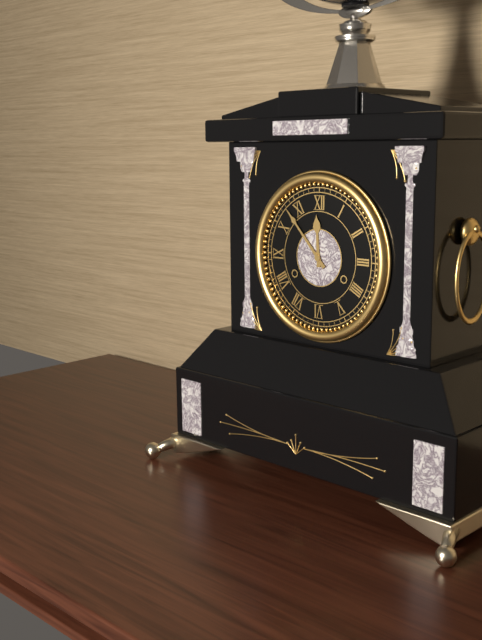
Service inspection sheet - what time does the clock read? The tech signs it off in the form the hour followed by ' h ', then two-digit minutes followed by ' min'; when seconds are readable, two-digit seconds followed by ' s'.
11 h 53 min
